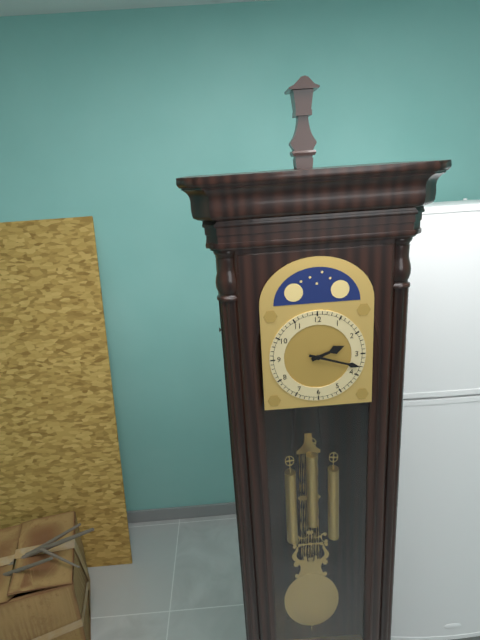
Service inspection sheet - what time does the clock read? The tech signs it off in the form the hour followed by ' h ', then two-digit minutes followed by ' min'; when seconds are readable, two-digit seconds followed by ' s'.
2 h 18 min
